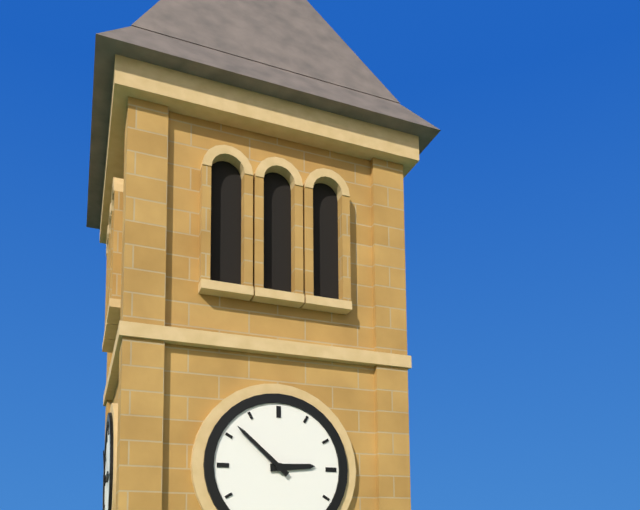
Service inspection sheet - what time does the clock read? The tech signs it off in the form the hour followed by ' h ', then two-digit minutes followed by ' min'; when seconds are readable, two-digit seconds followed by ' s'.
2 h 52 min
